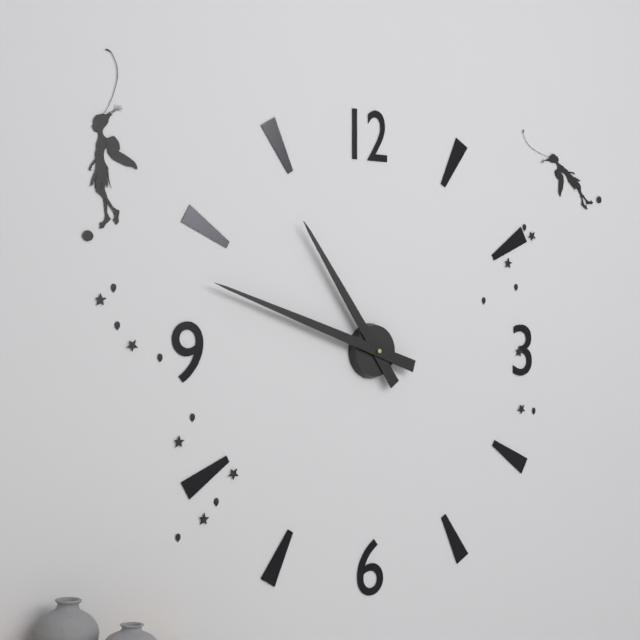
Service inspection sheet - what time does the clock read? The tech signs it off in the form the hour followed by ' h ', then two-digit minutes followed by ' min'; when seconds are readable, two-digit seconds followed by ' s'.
10 h 48 min
